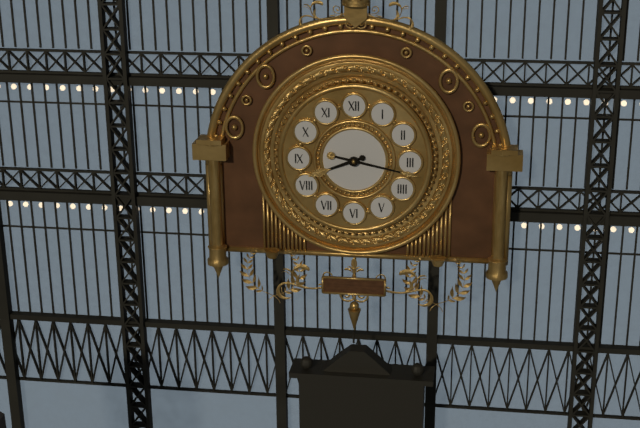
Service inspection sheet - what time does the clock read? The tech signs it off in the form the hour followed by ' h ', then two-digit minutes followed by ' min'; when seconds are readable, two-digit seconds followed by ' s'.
8 h 17 min
